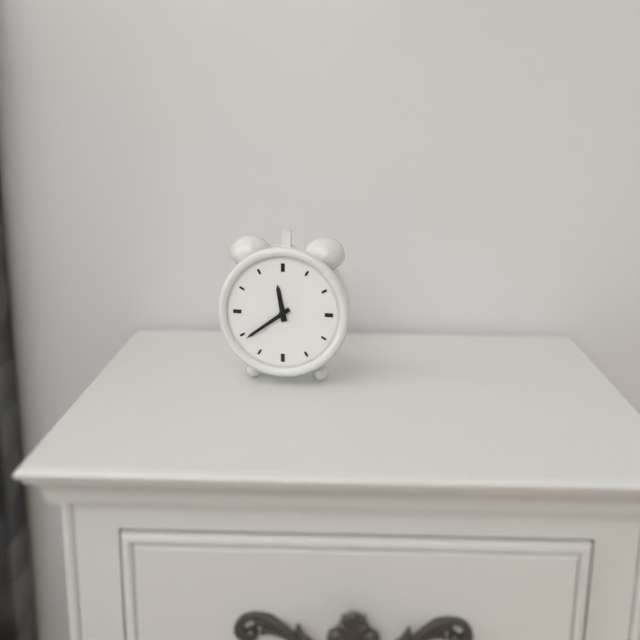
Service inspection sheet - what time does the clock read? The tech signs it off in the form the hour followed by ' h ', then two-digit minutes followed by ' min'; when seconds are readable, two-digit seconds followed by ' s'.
11 h 39 min
